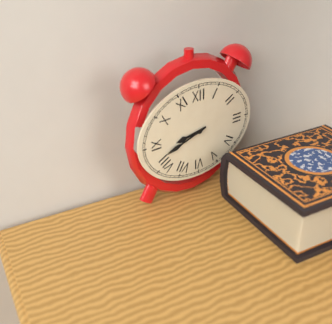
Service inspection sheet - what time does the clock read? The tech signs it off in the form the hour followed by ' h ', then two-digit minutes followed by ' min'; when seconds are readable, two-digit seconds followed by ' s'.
8 h 42 min
